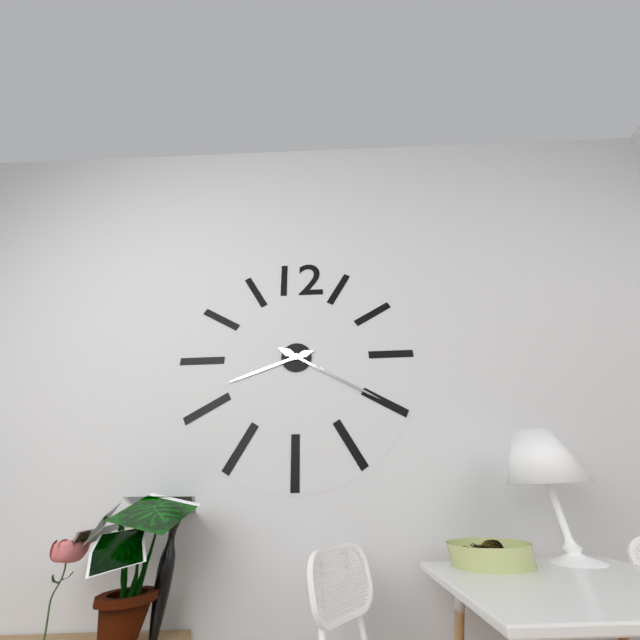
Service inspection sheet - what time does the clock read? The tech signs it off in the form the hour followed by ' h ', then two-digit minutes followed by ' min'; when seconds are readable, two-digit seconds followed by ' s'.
8 h 20 min
